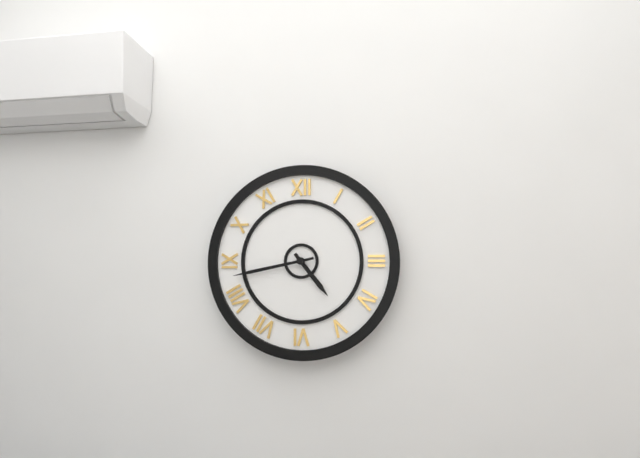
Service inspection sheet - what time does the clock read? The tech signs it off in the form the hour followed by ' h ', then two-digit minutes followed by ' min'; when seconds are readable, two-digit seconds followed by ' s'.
4 h 43 min
